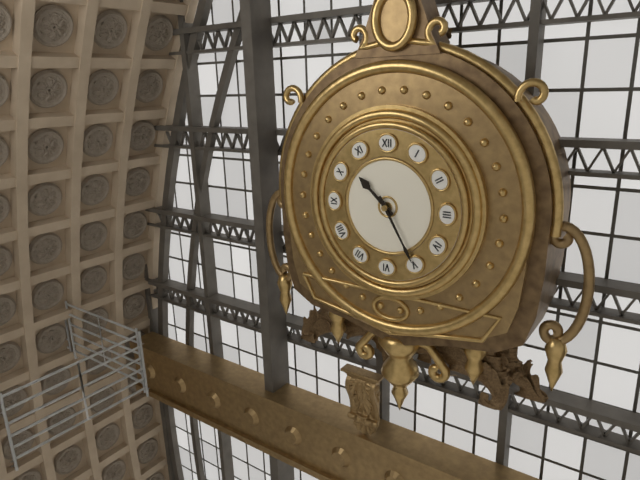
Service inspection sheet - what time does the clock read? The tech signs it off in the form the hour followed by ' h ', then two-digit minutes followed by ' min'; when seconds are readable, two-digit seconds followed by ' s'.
10 h 25 min
